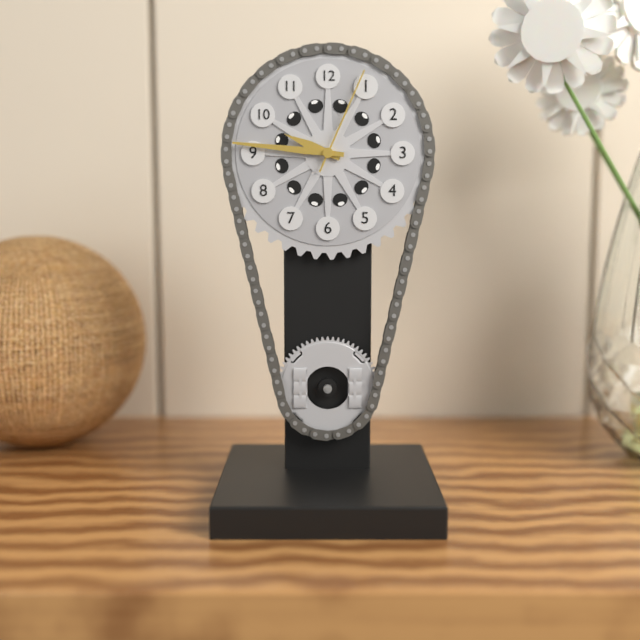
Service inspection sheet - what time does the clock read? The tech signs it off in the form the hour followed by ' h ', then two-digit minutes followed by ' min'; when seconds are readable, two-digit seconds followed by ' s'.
9 h 46 min 04 s
